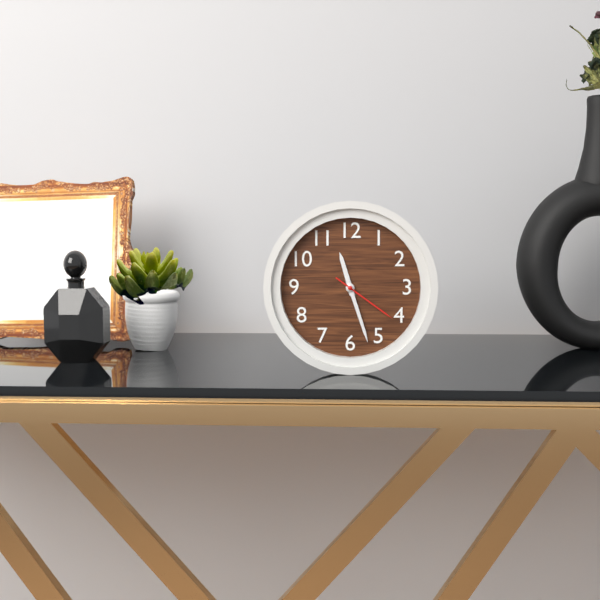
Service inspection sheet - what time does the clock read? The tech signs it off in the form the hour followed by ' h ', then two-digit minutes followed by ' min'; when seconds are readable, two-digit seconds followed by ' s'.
11 h 27 min 21 s
